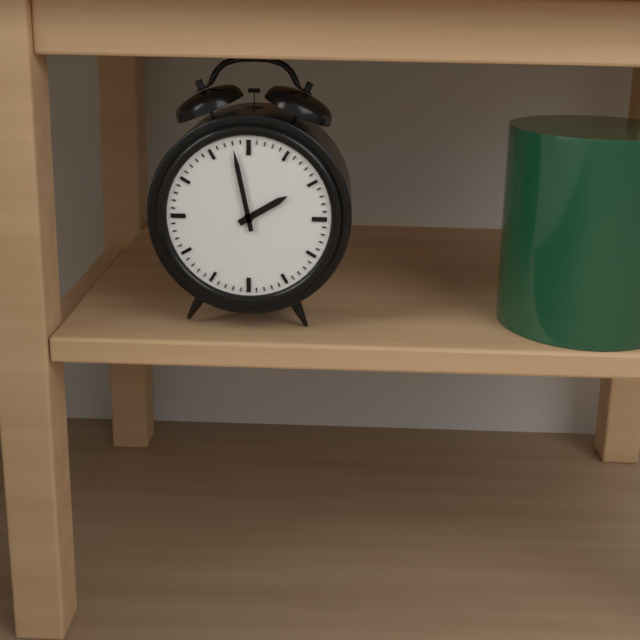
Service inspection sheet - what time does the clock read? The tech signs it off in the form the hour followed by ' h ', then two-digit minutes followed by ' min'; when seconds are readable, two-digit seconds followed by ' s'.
1 h 58 min
